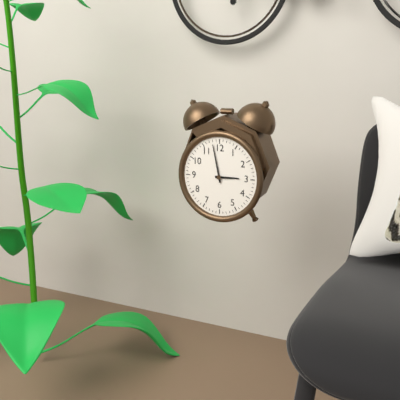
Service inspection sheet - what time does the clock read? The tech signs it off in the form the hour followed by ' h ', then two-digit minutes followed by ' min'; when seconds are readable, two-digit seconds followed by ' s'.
2 h 58 min
